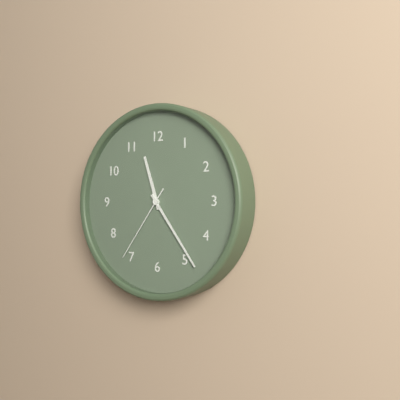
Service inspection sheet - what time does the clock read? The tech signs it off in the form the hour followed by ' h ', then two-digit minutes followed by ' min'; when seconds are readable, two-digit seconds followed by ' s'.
11 h 24 min 36 s
